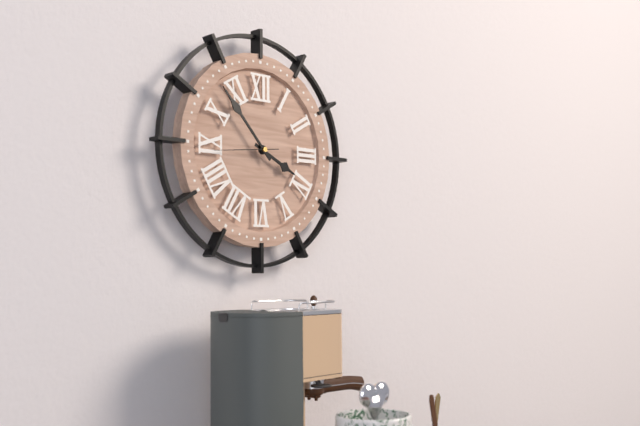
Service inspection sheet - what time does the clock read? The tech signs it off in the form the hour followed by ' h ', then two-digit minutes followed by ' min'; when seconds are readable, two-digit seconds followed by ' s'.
3 h 53 min 44 s
